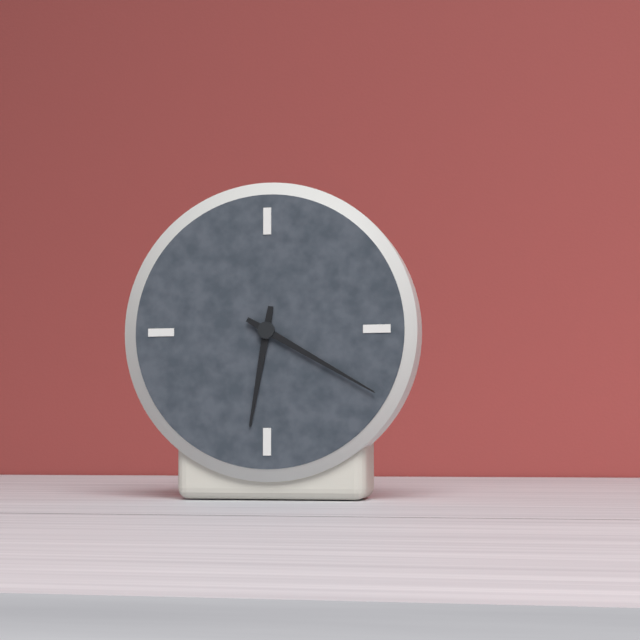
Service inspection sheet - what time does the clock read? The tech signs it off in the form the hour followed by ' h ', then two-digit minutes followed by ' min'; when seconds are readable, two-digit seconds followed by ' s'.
6 h 20 min
